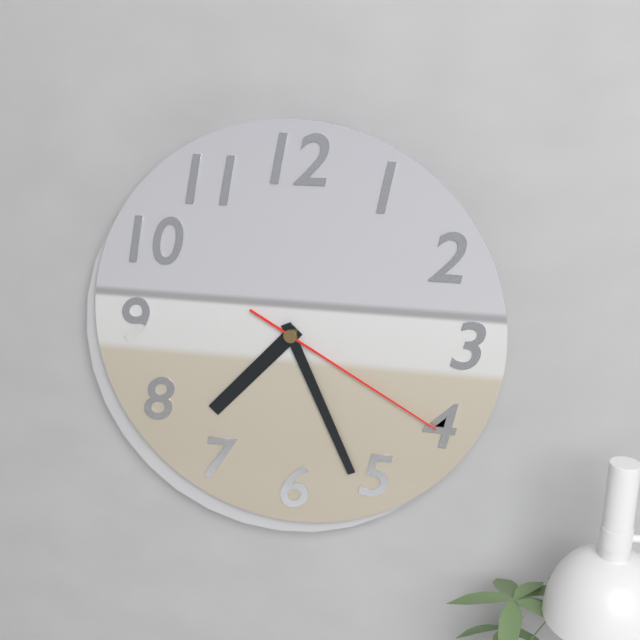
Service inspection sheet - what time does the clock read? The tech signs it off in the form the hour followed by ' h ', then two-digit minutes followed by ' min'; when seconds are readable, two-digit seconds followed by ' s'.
7 h 26 min 20 s
